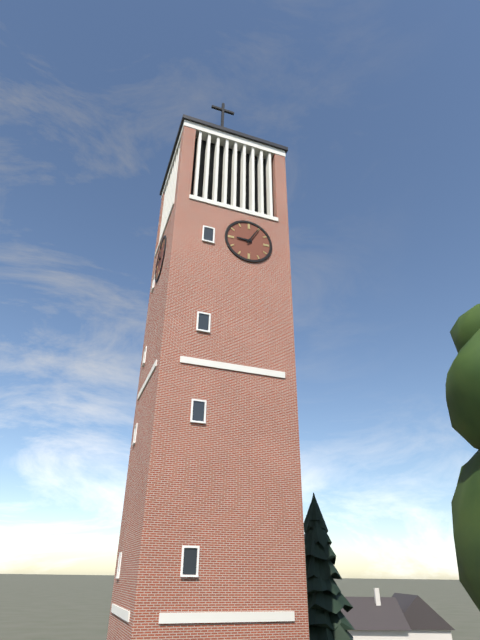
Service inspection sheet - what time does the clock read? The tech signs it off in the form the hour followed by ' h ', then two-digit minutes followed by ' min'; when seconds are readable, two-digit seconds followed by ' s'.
9 h 05 min
